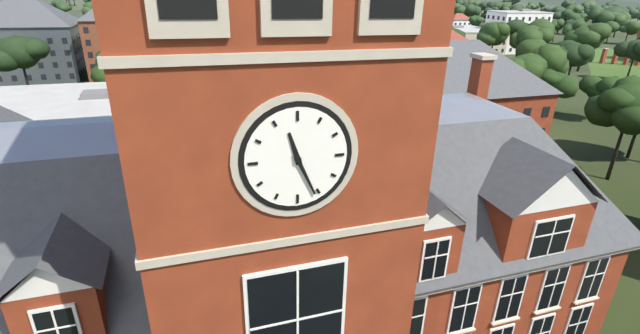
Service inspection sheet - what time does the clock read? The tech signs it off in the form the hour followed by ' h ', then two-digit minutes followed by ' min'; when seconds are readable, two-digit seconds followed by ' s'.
11 h 26 min
